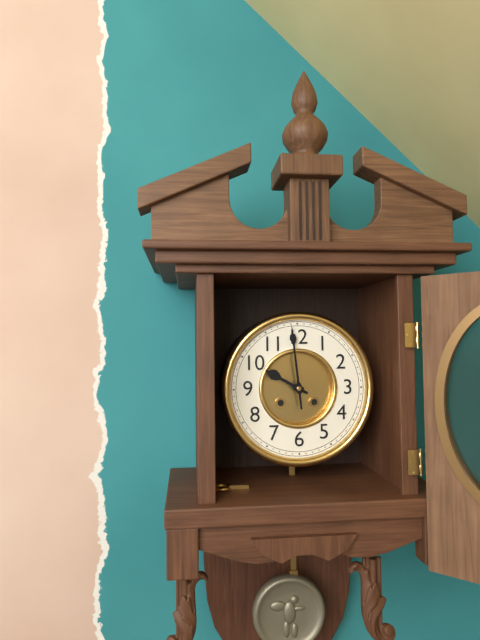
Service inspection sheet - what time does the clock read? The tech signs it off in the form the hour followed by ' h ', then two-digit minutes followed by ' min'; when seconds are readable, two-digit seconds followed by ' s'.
9 h 59 min
